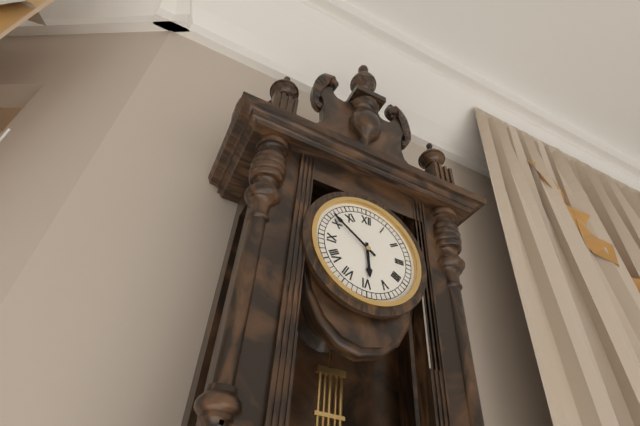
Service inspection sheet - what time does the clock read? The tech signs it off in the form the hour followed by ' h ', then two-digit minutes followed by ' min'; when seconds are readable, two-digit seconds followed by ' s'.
5 h 51 min
